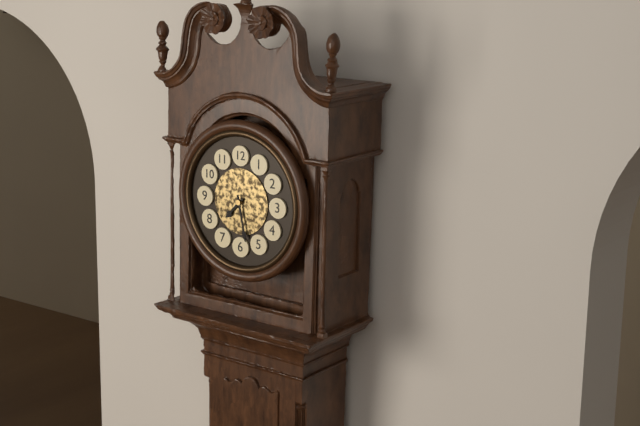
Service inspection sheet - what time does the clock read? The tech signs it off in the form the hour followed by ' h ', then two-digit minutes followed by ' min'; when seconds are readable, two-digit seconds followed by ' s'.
7 h 28 min
